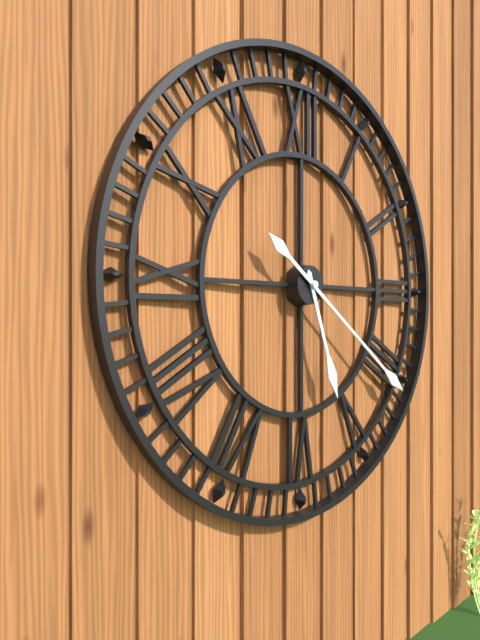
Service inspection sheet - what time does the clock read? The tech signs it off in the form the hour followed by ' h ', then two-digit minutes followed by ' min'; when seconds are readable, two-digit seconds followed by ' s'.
5 h 21 min
